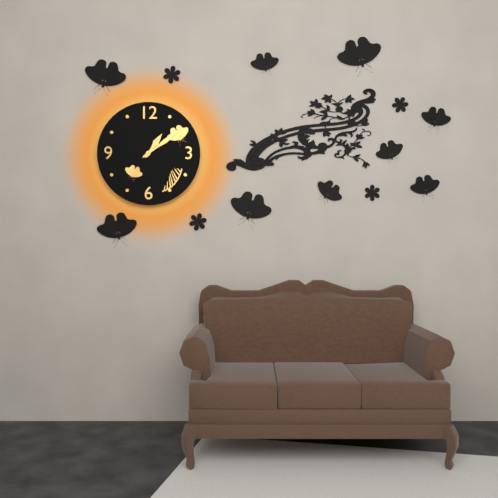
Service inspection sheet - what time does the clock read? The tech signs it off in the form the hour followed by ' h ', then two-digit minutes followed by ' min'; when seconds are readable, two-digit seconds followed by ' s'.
1 h 09 min
